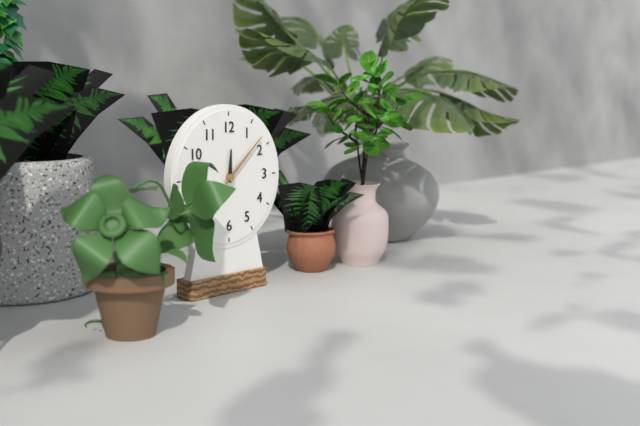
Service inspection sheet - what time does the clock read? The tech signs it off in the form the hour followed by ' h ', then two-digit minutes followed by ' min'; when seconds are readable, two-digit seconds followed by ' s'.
12 h 08 min
